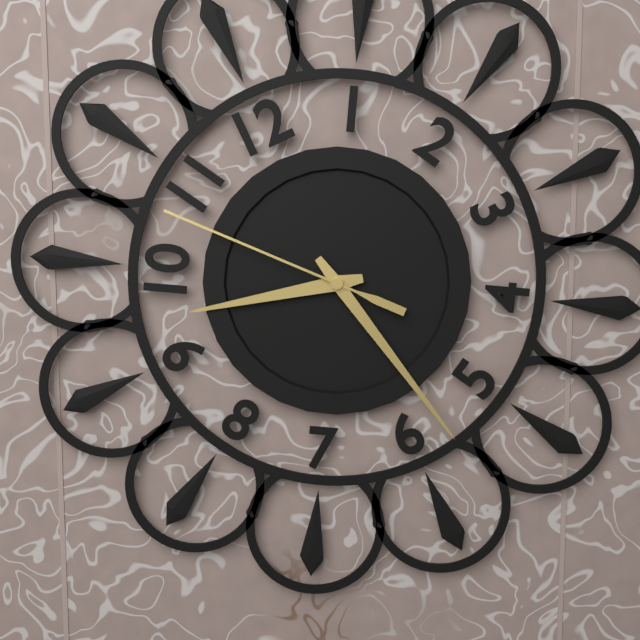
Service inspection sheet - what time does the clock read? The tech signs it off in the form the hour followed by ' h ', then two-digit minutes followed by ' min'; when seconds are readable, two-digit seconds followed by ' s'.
9 h 28 min 53 s
